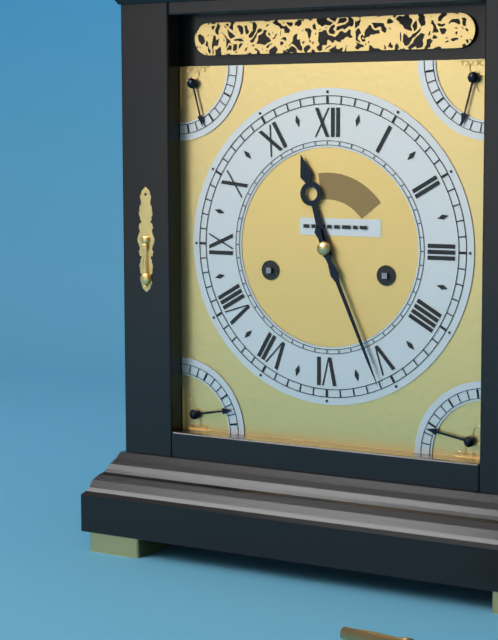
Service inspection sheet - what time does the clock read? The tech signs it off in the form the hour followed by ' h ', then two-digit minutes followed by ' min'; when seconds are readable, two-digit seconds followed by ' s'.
11 h 26 min
